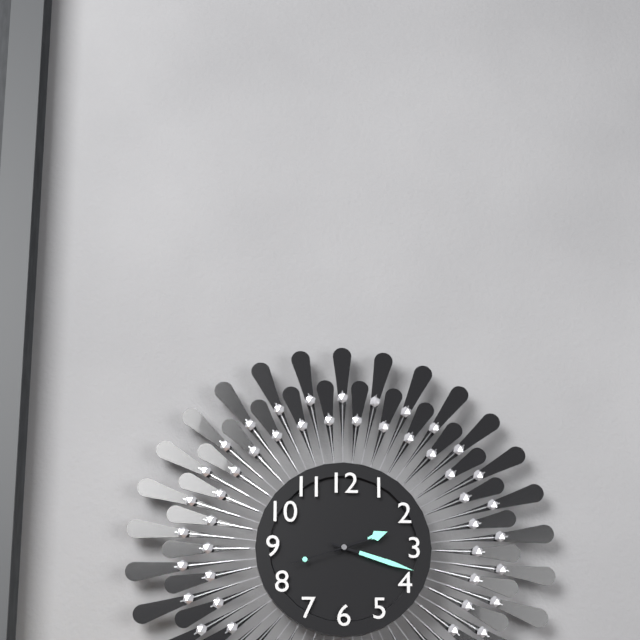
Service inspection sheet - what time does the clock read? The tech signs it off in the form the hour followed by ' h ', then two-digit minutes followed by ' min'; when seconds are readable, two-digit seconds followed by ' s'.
2 h 18 min 42 s
